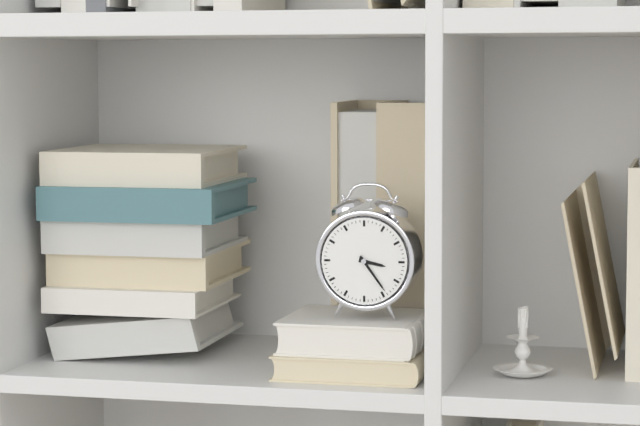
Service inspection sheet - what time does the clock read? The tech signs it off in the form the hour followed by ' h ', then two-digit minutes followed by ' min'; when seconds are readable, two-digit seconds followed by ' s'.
3 h 24 min
